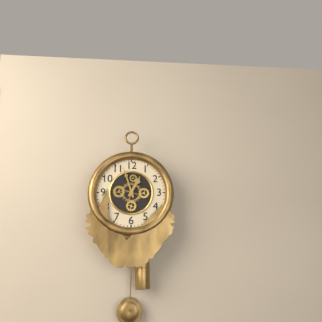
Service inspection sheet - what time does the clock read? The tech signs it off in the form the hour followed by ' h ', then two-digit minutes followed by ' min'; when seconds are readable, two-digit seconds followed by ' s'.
12 h 57 min
